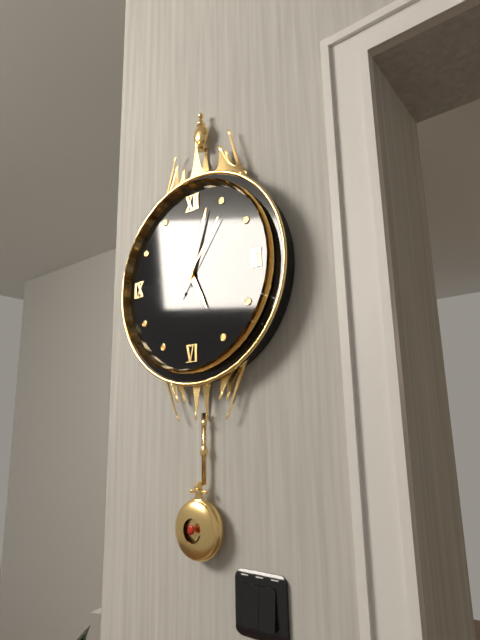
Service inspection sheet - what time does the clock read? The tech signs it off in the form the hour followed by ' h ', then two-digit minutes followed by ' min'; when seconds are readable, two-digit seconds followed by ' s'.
5 h 03 min 06 s
